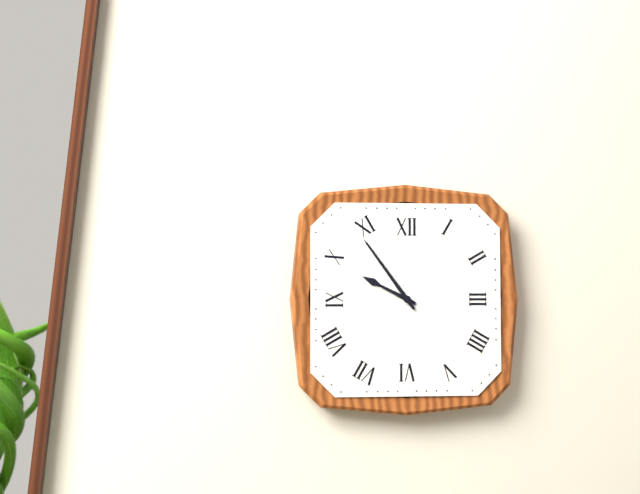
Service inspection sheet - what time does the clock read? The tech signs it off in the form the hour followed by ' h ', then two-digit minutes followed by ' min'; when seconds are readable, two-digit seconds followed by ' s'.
9 h 54 min
